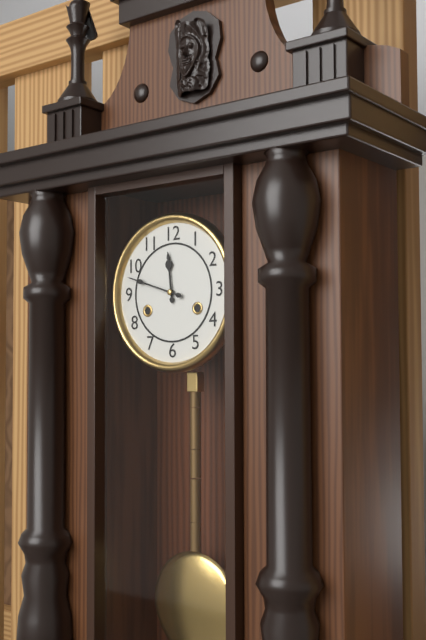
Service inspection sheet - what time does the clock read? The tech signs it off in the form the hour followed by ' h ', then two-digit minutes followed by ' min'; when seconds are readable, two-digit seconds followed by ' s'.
11 h 48 min
